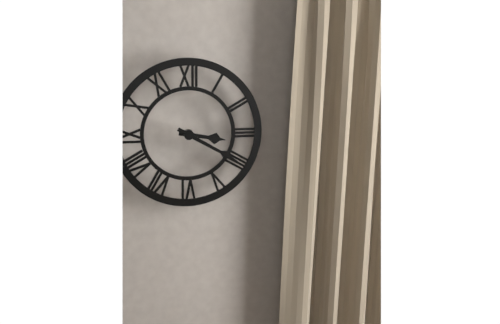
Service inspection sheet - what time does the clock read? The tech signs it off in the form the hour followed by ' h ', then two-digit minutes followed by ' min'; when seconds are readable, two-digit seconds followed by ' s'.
3 h 20 min
